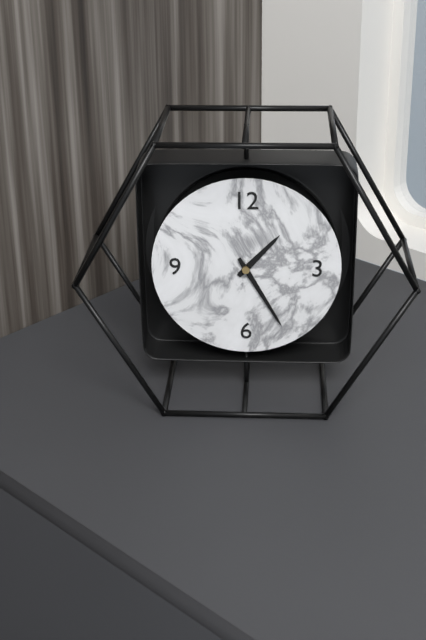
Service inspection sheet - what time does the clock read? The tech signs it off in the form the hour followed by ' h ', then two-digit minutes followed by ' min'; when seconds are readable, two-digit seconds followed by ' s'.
1 h 25 min
